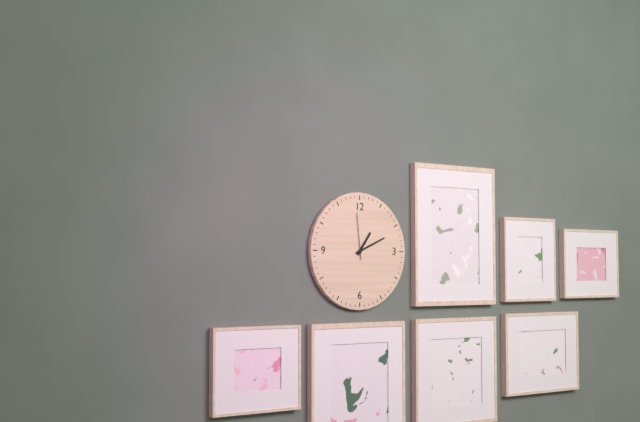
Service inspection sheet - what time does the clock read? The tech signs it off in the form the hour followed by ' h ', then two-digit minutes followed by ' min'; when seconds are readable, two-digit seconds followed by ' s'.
1 h 11 min
